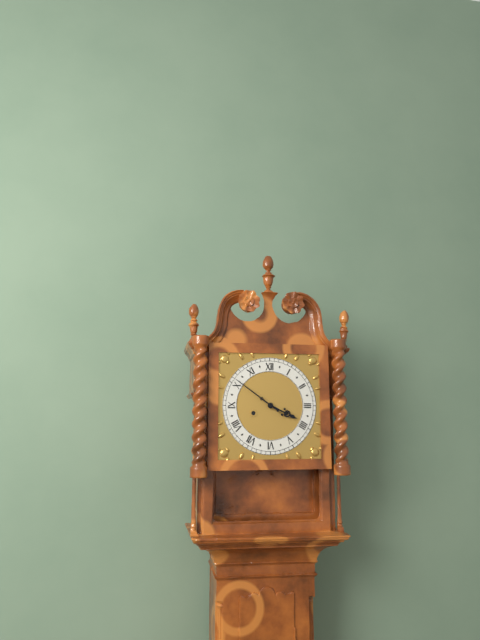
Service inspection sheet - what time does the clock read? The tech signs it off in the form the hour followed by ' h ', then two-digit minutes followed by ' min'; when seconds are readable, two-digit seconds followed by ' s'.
3 h 51 min
